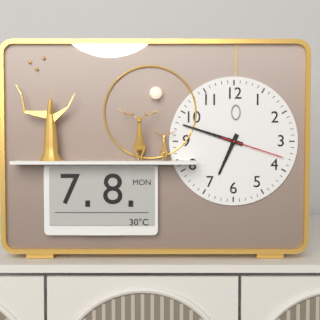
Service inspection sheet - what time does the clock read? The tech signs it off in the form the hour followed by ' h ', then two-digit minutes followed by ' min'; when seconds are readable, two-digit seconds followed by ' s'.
6 h 48 min 18 s
